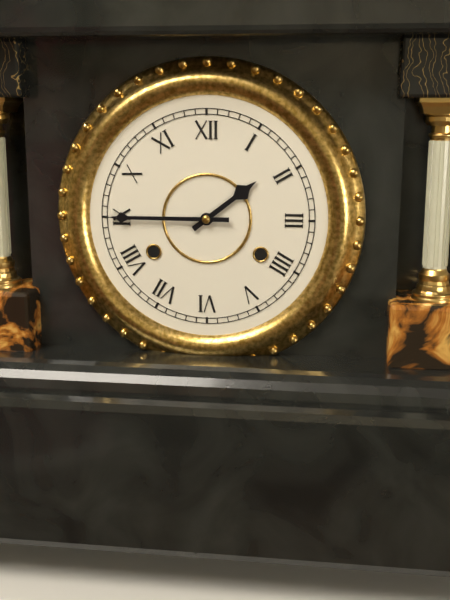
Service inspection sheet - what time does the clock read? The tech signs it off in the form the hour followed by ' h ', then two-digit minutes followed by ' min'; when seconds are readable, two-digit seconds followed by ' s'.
1 h 45 min
